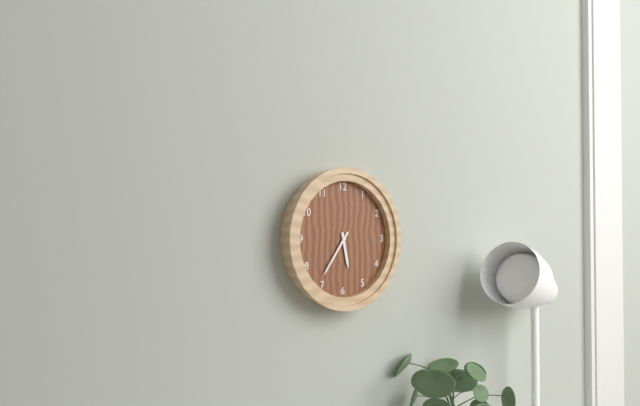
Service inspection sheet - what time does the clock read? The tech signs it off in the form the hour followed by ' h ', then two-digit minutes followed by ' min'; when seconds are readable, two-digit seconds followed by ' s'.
5 h 36 min
